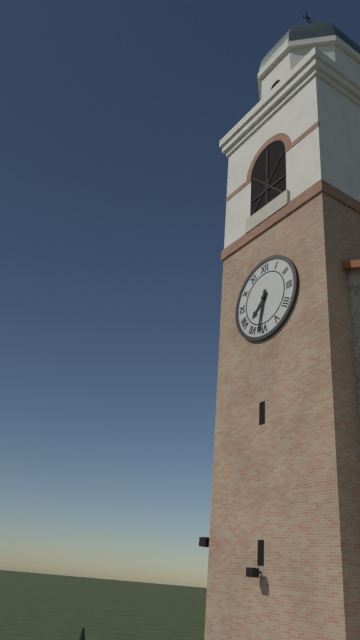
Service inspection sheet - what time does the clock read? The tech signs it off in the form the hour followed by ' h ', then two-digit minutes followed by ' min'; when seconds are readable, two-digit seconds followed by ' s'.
7 h 32 min
